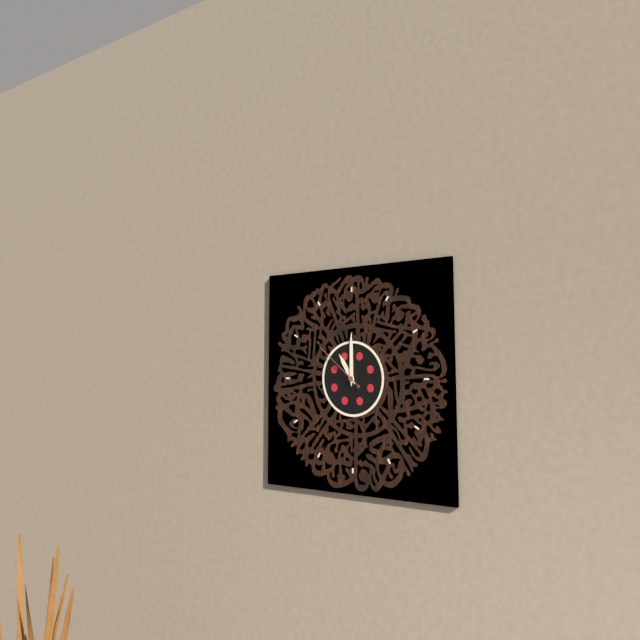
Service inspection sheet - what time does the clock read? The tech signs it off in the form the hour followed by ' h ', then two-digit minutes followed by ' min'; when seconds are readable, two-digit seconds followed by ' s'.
11 h 00 min 52 s
